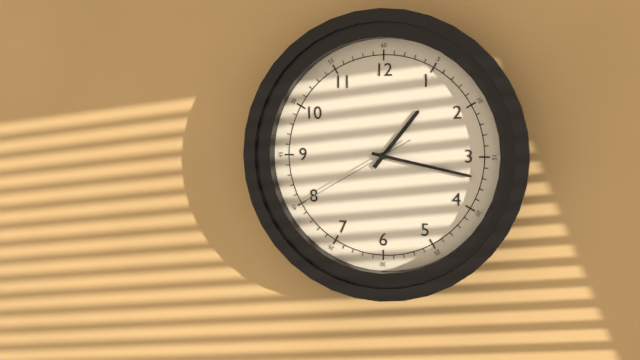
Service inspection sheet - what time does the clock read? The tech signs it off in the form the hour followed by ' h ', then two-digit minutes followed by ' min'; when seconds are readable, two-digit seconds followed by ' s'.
1 h 17 min 40 s
